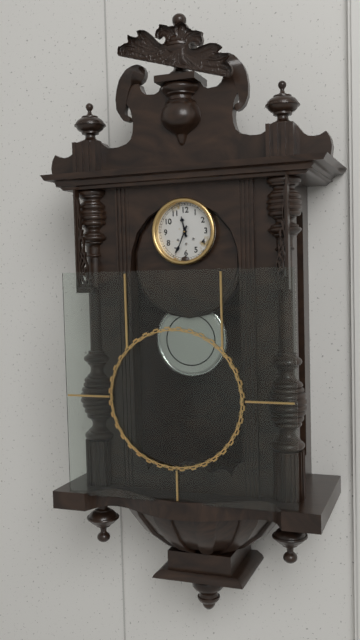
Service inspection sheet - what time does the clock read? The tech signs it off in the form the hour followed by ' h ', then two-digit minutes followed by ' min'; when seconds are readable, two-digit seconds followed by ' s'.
11 h 34 min
